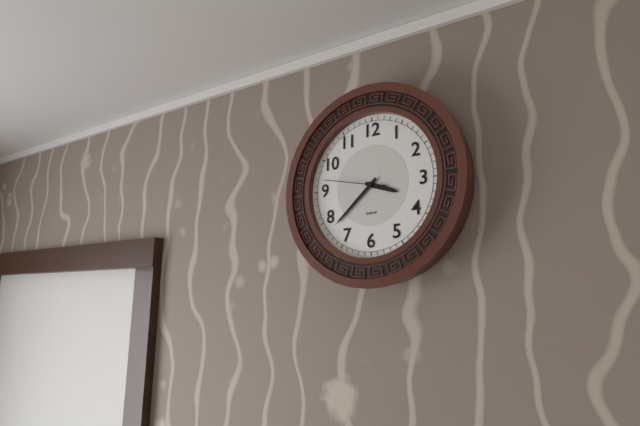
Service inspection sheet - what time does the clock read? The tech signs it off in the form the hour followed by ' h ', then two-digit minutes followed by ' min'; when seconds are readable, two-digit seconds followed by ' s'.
3 h 38 min 47 s
